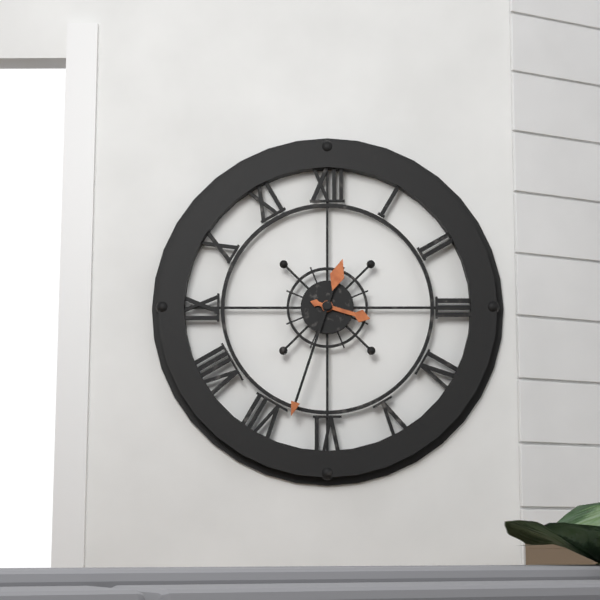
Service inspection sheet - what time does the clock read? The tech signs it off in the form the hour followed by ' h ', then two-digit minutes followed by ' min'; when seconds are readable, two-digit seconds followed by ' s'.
3 h 33 min
